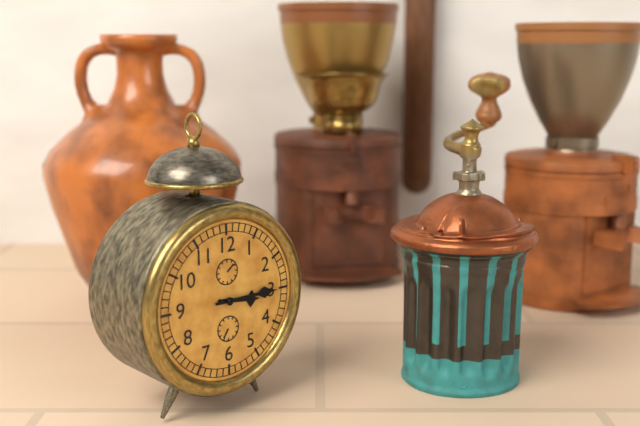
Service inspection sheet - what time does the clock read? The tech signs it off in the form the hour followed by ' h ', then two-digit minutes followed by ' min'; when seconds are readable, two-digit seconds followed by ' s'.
3 h 15 min
